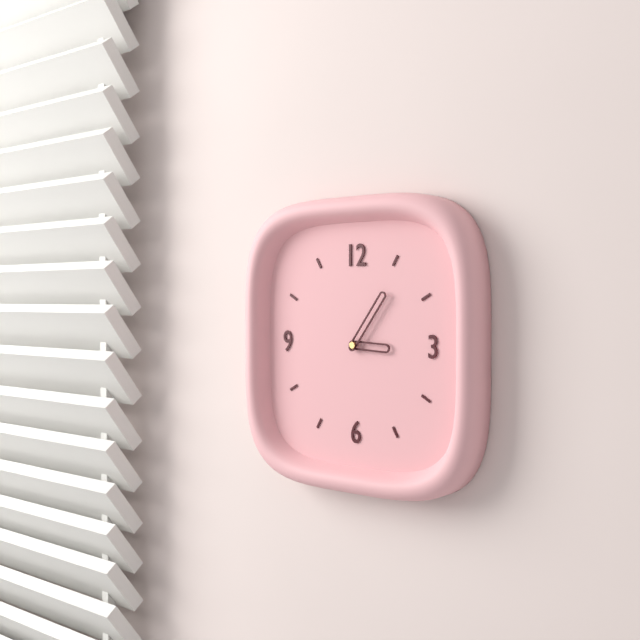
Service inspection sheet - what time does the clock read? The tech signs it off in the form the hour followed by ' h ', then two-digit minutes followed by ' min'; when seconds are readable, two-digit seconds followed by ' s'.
3 h 06 min
